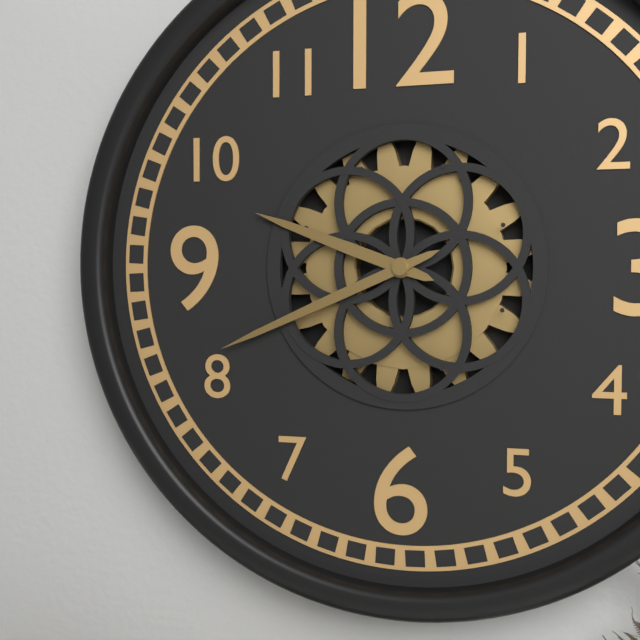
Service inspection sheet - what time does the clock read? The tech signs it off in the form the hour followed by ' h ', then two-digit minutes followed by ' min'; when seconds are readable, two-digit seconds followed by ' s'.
9 h 41 min
